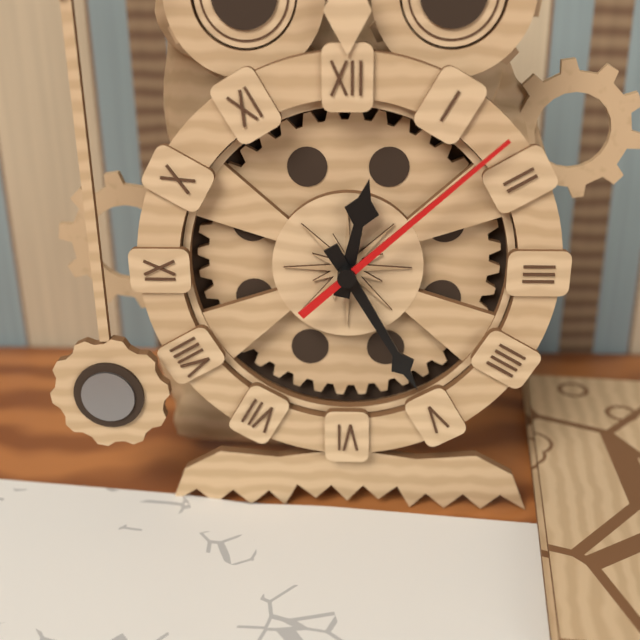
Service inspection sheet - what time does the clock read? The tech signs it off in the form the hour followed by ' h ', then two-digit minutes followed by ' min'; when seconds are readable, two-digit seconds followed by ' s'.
12 h 25 min 08 s
